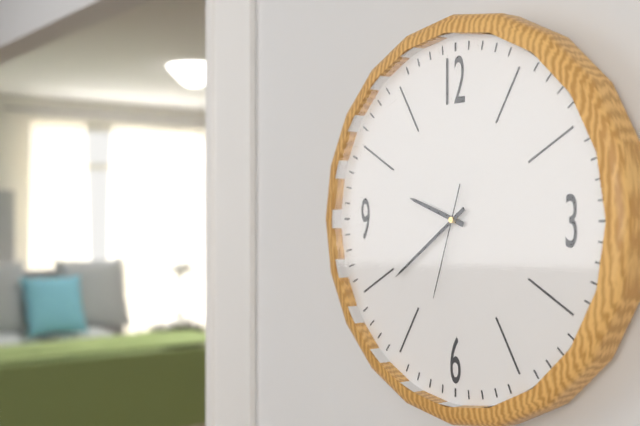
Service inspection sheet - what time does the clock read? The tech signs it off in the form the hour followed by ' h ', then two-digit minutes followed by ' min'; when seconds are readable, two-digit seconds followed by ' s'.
9 h 39 min 33 s
